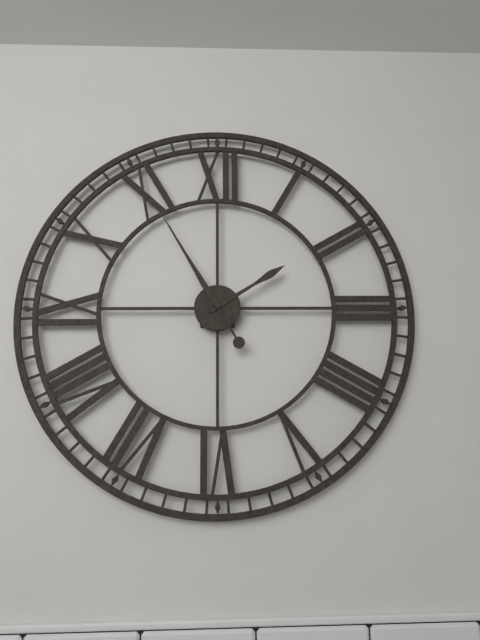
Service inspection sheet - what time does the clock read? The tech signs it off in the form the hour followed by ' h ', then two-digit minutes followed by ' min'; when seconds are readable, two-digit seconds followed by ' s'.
1 h 55 min
